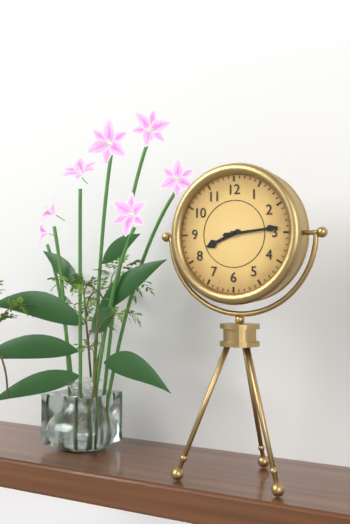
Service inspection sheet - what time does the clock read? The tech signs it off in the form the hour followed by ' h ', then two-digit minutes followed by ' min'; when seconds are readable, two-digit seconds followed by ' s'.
8 h 14 min
